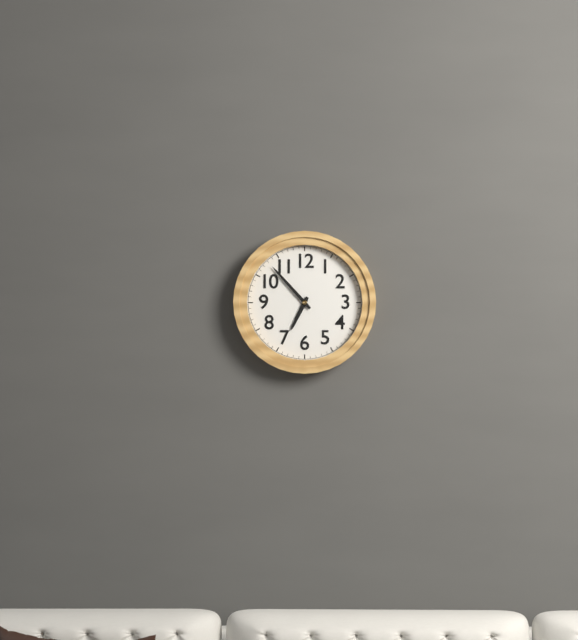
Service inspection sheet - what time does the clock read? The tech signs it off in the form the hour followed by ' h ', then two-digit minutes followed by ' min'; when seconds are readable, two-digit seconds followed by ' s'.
6 h 53 min
